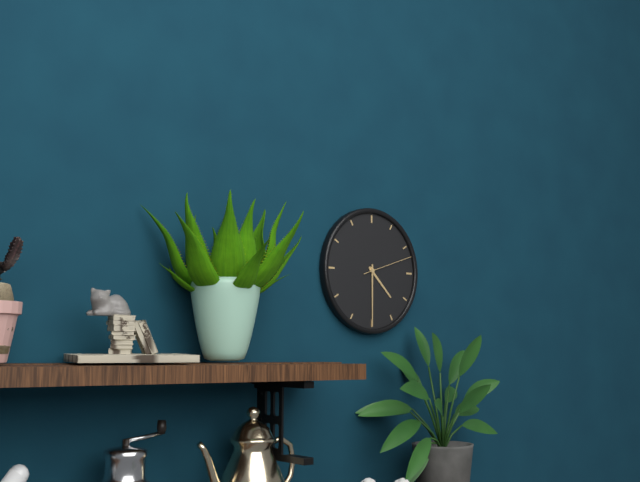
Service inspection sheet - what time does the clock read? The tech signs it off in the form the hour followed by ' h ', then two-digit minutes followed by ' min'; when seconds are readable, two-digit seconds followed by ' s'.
4 h 30 min 12 s
